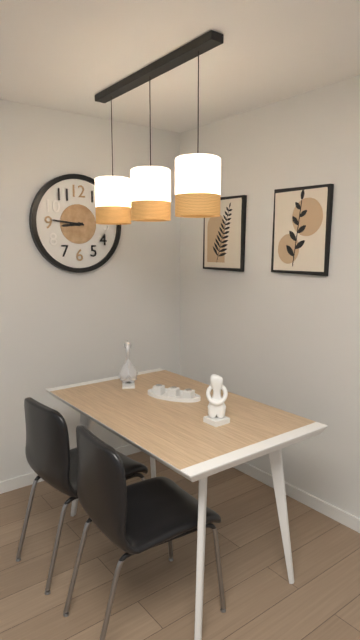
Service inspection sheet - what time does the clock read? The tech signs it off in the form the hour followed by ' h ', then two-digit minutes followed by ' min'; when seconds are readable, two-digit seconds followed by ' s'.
8 h 46 min
